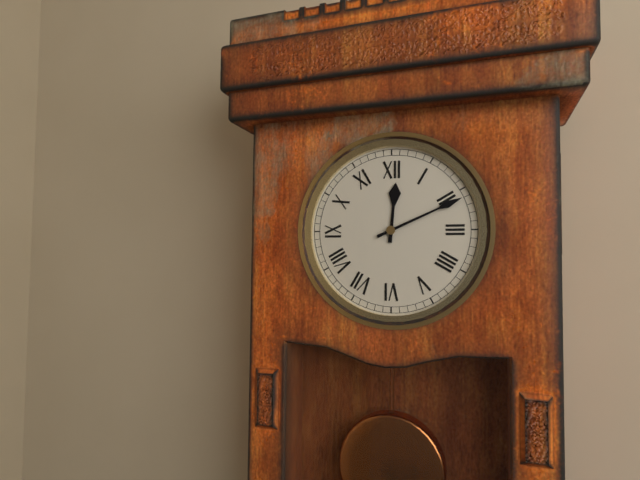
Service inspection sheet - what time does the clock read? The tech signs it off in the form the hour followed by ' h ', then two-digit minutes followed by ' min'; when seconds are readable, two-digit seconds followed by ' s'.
12 h 11 min
